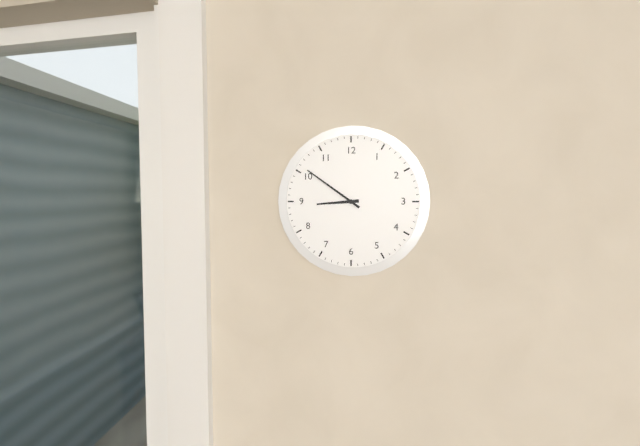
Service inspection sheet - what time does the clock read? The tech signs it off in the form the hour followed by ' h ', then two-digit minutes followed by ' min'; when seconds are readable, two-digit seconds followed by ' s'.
8 h 51 min
